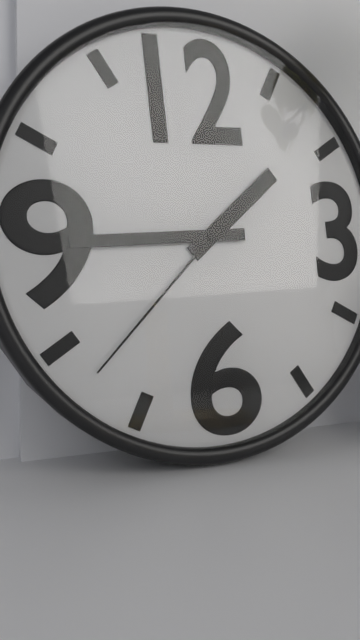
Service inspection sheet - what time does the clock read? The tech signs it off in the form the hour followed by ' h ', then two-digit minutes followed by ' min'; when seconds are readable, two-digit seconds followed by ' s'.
1 h 45 min 38 s
